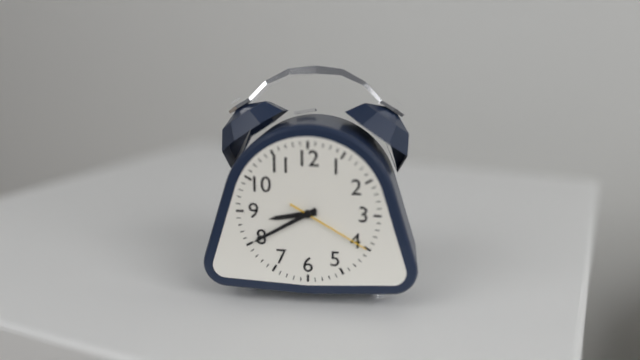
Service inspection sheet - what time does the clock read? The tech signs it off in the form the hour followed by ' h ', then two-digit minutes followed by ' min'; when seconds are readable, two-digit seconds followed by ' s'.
8 h 40 min 20 s
